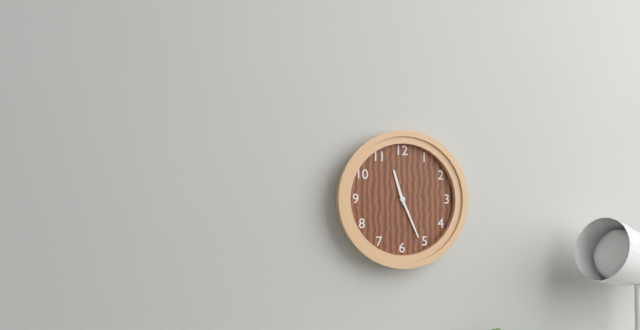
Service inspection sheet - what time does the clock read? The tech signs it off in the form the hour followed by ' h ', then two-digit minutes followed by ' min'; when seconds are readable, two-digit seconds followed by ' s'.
11 h 26 min
